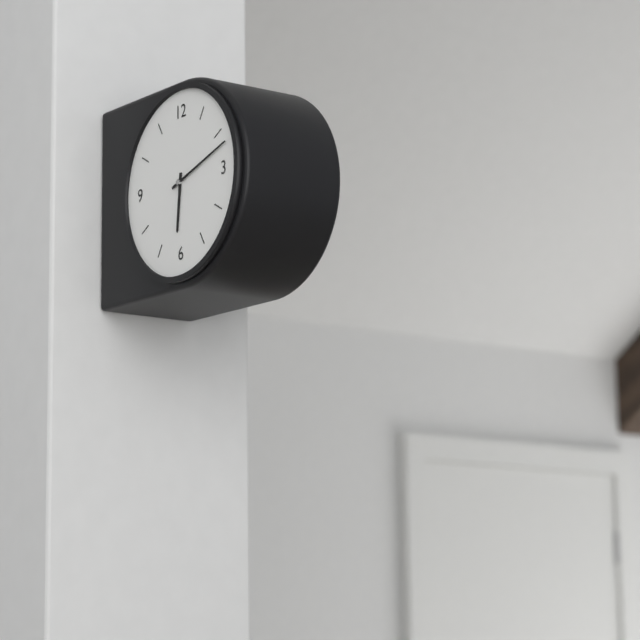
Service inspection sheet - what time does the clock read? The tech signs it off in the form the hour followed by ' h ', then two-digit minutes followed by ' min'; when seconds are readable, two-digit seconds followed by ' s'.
6 h 12 min
